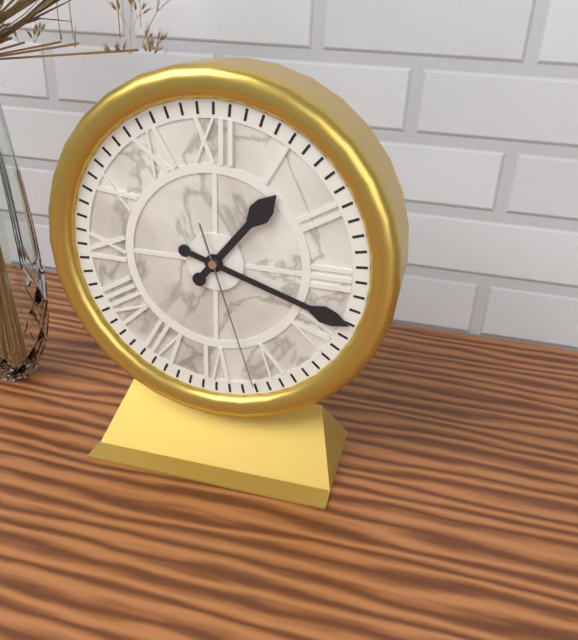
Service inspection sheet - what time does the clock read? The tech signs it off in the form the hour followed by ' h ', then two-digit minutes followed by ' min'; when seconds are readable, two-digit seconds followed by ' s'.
1 h 18 min 27 s
